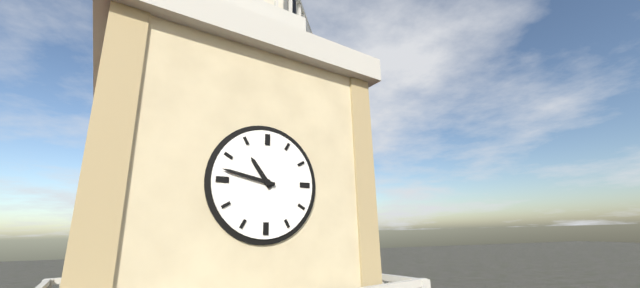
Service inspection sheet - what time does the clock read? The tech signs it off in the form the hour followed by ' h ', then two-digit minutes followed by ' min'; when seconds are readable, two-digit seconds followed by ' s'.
10 h 47 min
